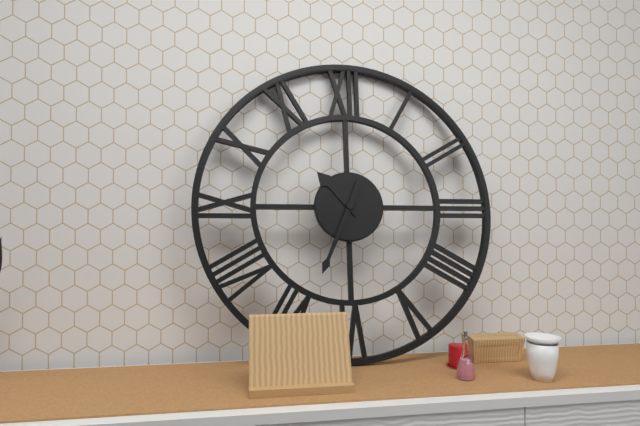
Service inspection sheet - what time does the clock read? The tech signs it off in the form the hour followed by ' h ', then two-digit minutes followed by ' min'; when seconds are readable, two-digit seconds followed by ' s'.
10 h 34 min
